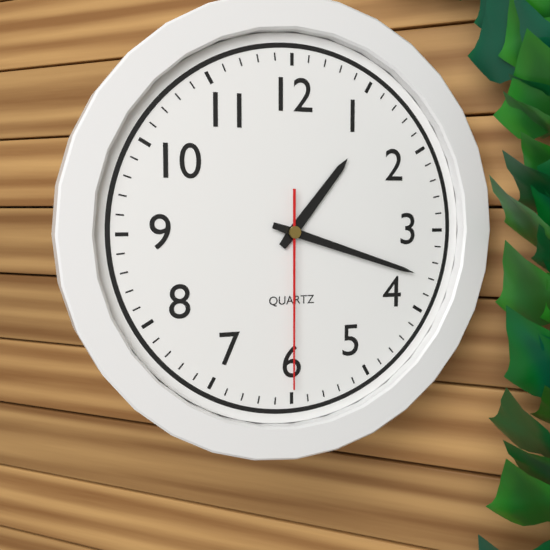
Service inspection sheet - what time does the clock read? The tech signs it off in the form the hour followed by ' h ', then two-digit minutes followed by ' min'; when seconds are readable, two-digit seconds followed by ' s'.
1 h 18 min 30 s
